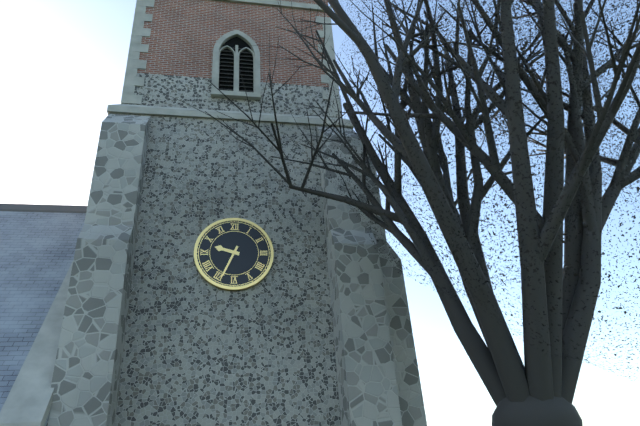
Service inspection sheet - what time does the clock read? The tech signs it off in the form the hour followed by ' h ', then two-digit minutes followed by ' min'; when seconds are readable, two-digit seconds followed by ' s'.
9 h 34 min
